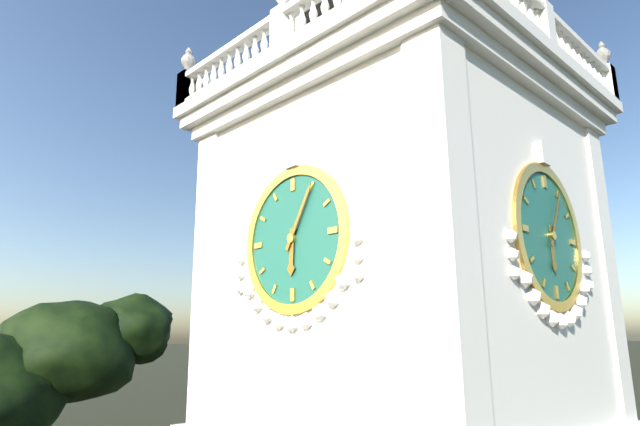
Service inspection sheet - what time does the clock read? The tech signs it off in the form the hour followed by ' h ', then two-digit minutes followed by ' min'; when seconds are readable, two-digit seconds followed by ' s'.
6 h 05 min
